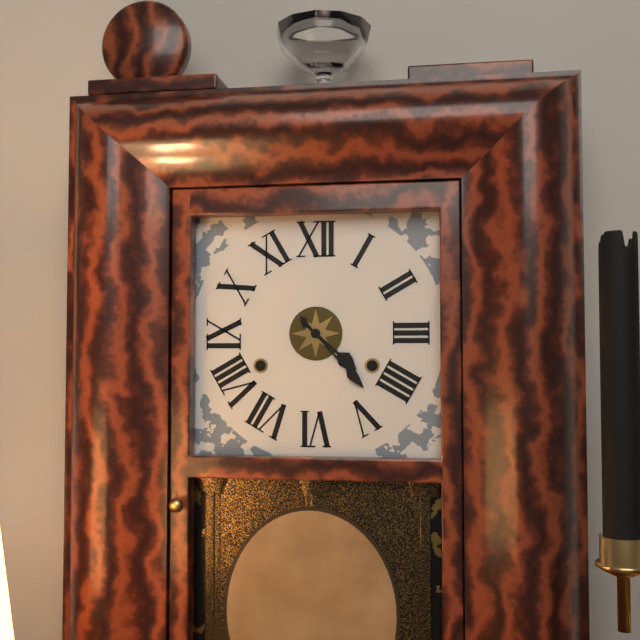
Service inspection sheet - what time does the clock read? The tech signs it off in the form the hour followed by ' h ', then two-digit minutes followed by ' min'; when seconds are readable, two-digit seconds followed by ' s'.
4 h 23 min
